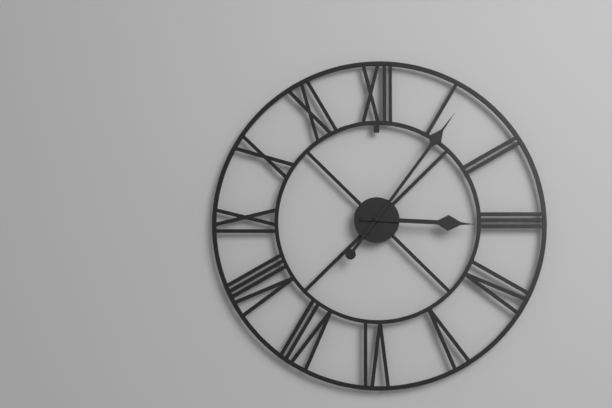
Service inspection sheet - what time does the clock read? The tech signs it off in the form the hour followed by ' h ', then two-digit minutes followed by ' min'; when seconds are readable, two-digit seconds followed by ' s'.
3 h 06 min
